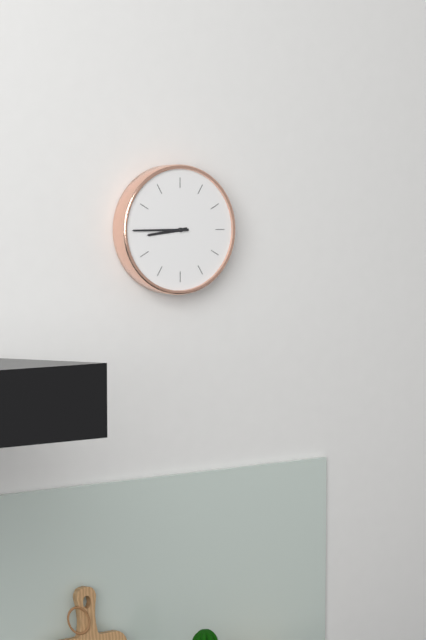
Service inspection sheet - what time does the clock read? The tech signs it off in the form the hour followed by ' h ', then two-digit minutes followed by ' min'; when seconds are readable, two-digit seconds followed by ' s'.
8 h 45 min
